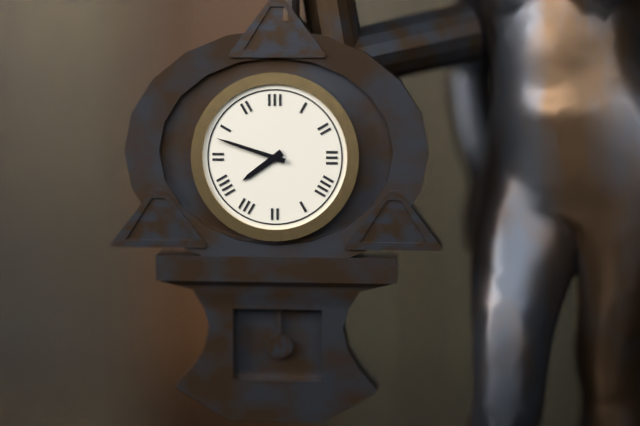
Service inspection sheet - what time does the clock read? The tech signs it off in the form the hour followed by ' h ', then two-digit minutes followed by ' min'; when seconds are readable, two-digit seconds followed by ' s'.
7 h 48 min
